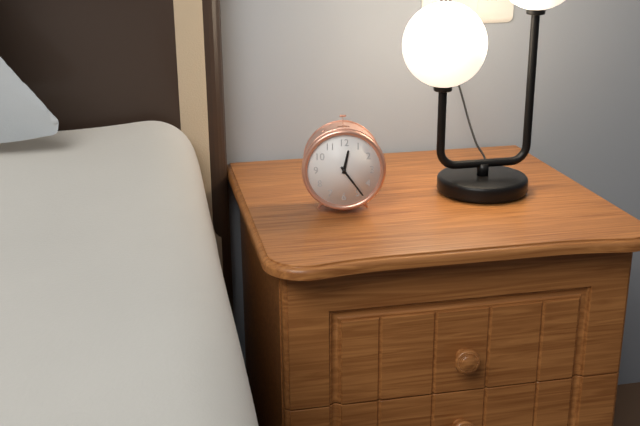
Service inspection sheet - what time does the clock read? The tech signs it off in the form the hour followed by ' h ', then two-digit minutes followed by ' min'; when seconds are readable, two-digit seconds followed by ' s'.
12 h 24 min
